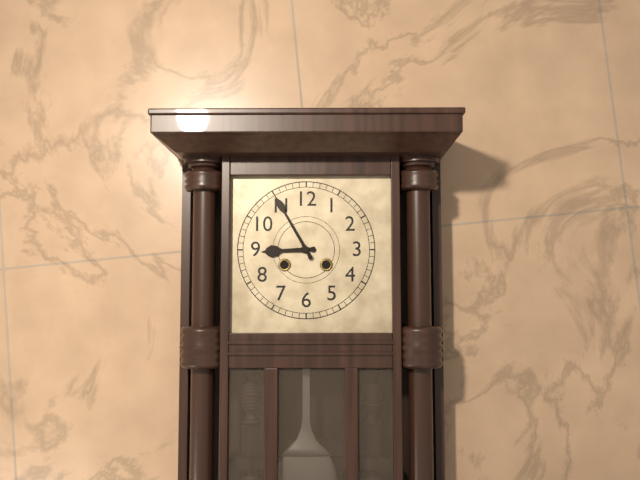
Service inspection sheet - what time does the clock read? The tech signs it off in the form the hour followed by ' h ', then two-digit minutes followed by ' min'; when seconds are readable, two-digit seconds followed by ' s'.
8 h 55 min
